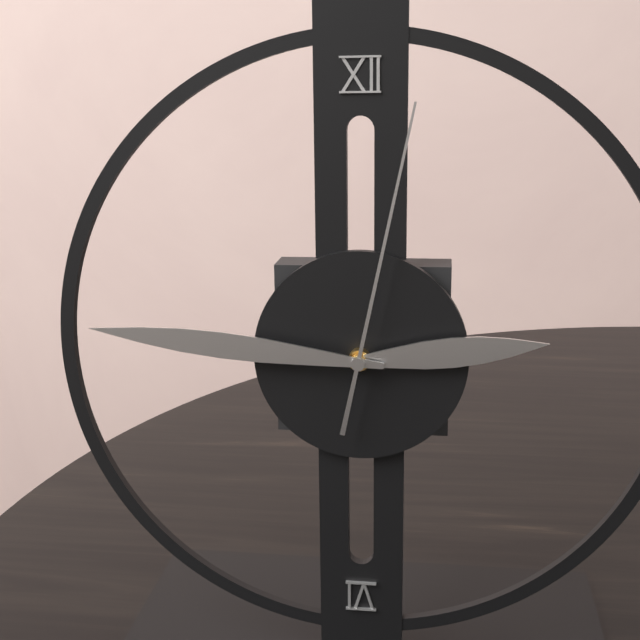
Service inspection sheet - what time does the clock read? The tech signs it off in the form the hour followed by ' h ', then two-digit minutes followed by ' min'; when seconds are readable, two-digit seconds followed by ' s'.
2 h 46 min 02 s
